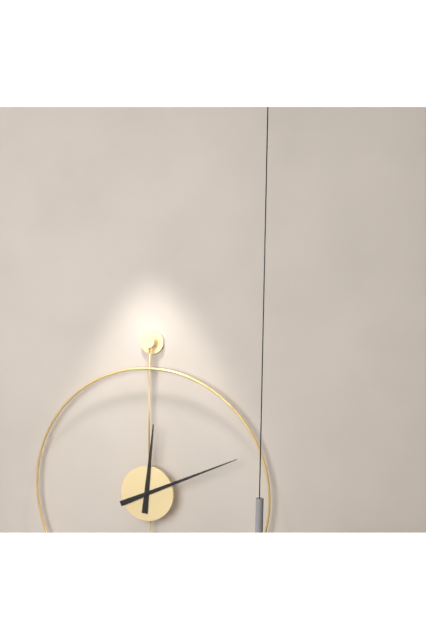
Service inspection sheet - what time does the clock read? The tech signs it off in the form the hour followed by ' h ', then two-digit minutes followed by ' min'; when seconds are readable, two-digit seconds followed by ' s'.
12 h 11 min
